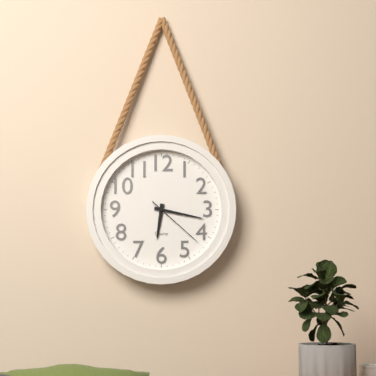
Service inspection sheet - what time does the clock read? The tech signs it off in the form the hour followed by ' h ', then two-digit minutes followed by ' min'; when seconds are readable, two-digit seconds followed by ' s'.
6 h 17 min 22 s
